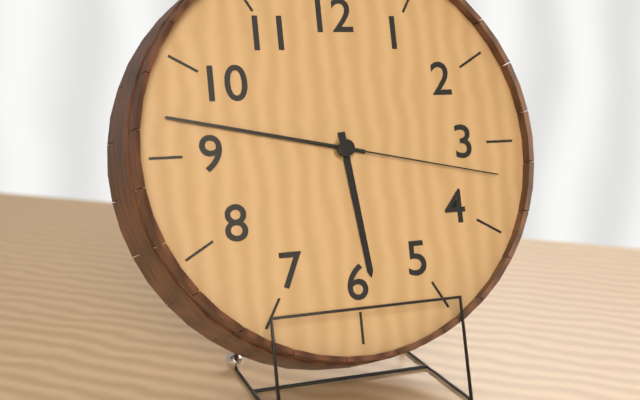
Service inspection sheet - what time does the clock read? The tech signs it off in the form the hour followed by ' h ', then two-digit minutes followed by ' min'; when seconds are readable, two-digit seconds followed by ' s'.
5 h 47 min 17 s
